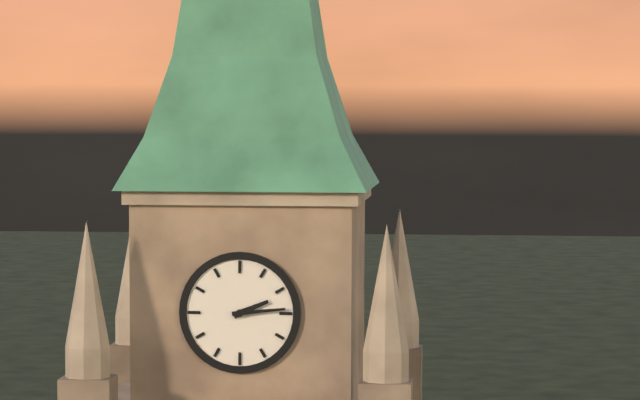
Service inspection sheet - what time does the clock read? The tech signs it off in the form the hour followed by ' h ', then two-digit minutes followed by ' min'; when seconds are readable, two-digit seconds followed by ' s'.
2 h 14 min
